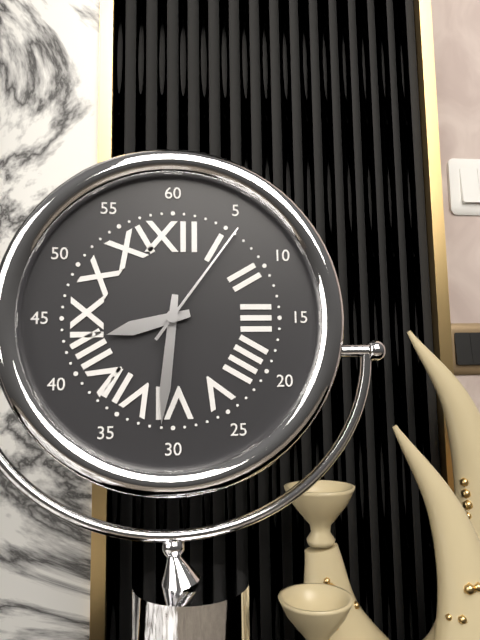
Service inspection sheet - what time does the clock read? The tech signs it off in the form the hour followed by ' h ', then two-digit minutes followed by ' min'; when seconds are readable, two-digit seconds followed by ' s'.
8 h 31 min 06 s
